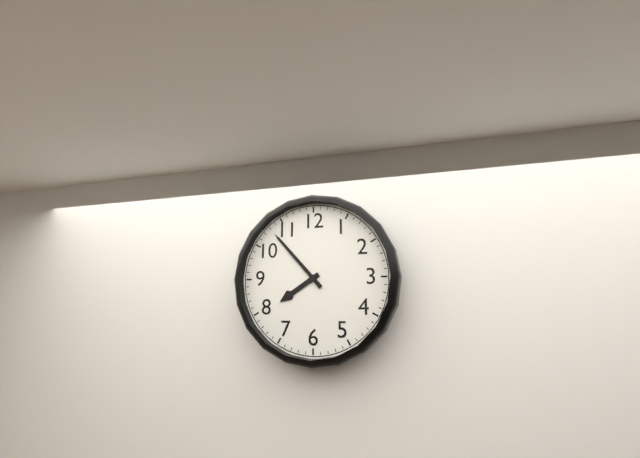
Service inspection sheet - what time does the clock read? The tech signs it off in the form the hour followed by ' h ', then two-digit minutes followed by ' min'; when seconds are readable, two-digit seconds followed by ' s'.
7 h 53 min
